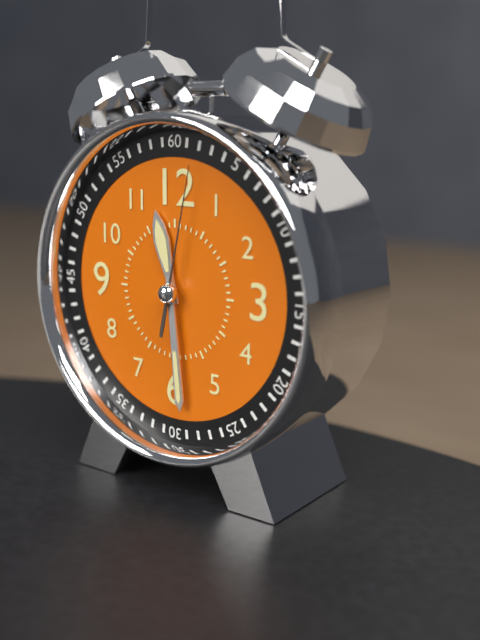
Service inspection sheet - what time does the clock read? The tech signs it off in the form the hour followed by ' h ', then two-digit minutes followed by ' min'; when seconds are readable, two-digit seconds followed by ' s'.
11 h 29 min 02 s
